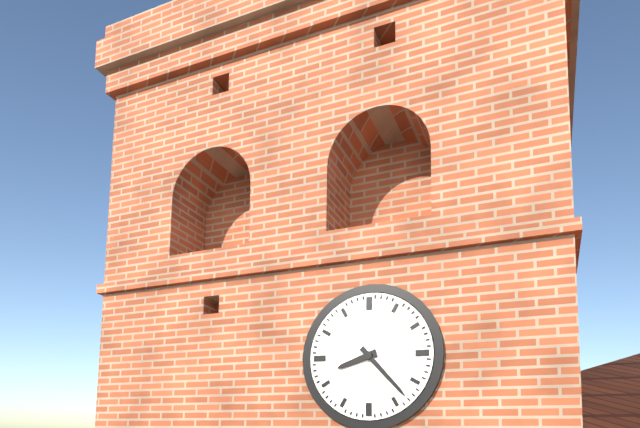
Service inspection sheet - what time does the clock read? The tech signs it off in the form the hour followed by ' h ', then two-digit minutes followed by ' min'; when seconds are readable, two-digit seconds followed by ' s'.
8 h 23 min
